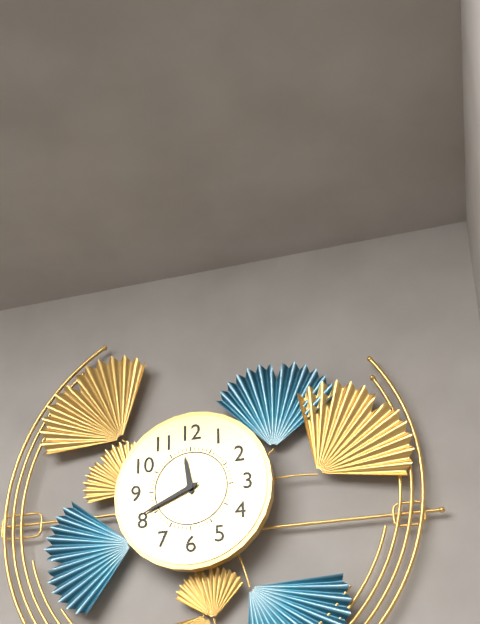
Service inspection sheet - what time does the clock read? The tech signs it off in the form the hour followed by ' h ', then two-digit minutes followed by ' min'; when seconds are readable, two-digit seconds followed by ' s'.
11 h 41 min
